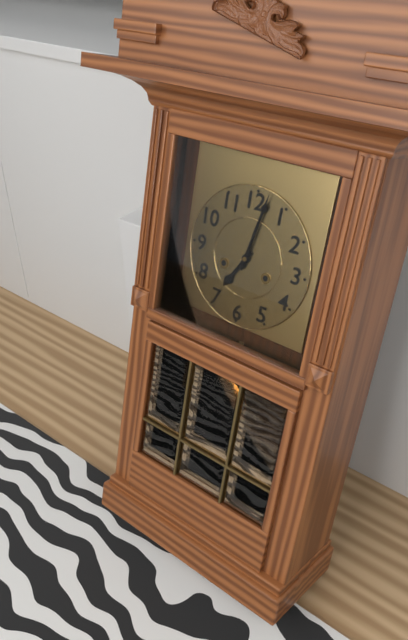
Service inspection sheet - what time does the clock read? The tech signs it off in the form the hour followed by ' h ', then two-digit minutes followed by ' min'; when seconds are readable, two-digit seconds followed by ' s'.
7 h 02 min
